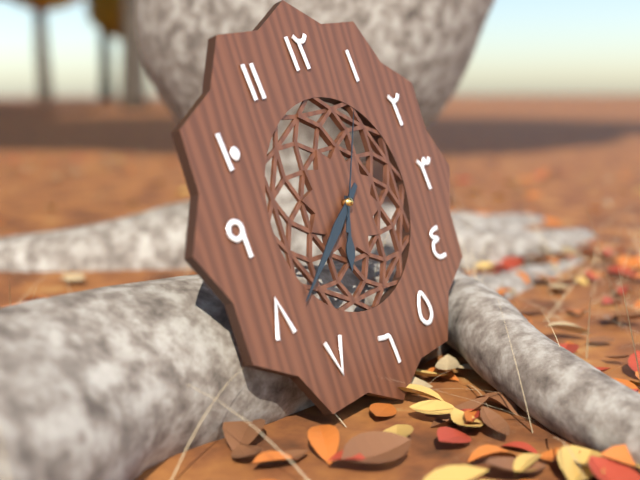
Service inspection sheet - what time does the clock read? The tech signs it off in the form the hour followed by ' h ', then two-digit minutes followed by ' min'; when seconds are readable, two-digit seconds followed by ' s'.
6 h 39 min 05 s
